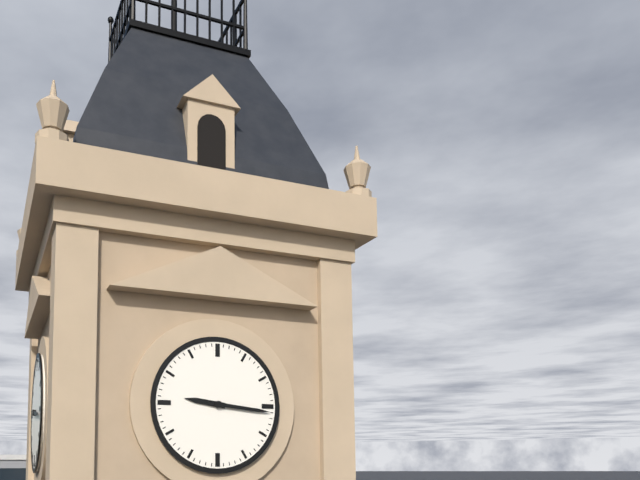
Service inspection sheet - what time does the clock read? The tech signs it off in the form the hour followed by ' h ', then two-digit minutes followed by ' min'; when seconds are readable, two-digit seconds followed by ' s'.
9 h 16 min
